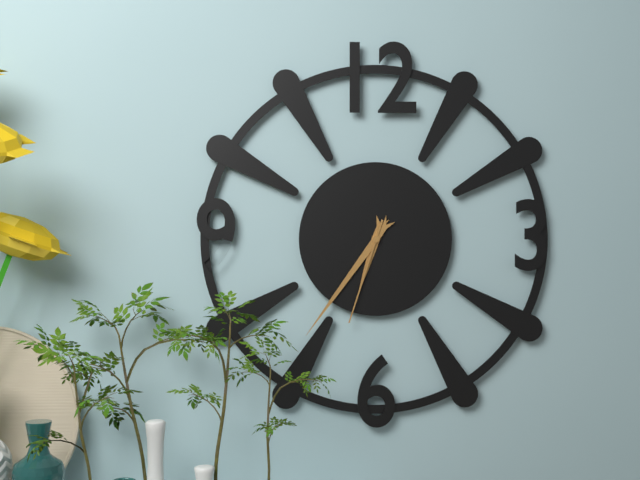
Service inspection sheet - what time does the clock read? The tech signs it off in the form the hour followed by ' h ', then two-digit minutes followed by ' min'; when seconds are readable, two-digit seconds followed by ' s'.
6 h 36 min 33 s
